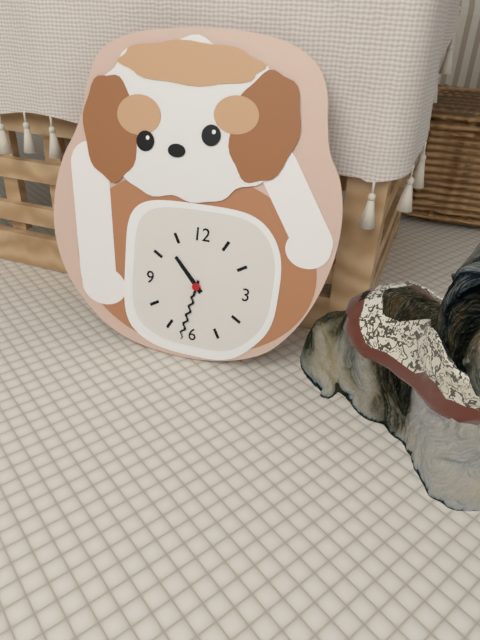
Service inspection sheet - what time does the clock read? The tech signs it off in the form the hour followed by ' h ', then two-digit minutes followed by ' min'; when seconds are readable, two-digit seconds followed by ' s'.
10 h 32 min
